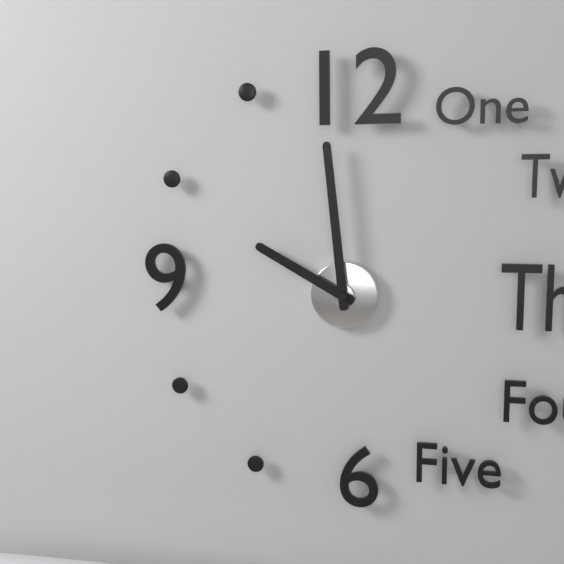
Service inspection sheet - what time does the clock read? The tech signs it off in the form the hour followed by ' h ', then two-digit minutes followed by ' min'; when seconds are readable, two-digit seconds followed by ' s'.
9 h 59 min
